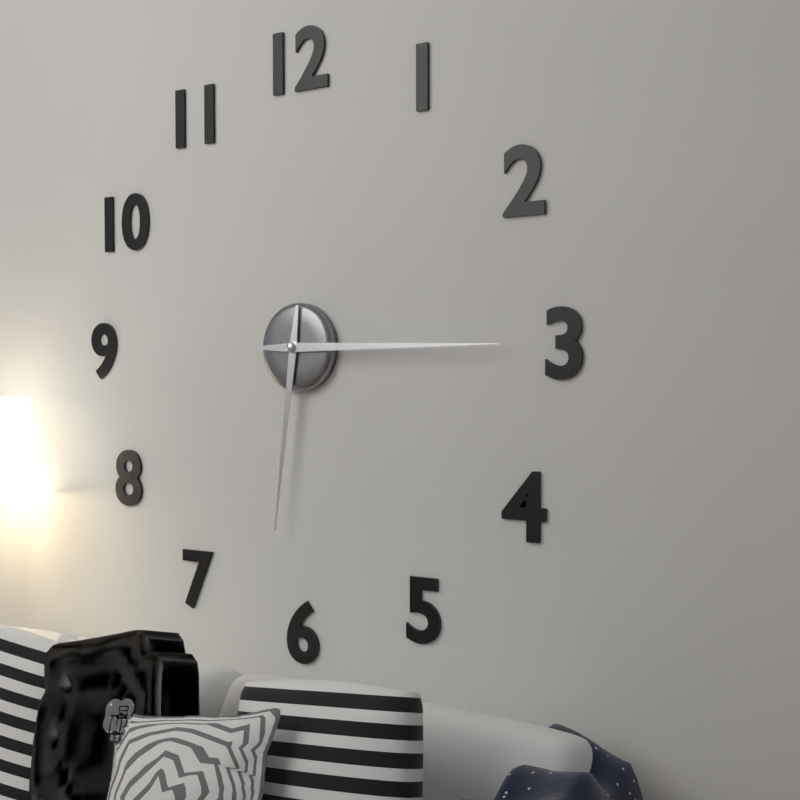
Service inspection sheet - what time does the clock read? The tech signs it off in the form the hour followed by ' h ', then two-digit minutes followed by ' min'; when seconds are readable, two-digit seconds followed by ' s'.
6 h 15 min
